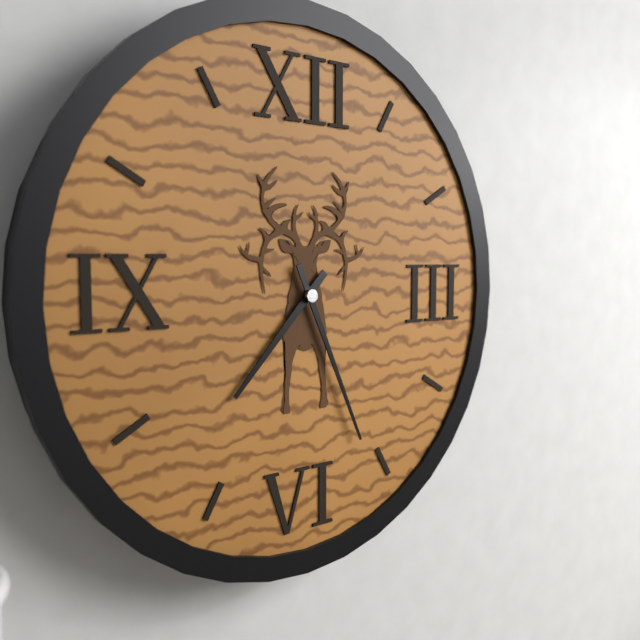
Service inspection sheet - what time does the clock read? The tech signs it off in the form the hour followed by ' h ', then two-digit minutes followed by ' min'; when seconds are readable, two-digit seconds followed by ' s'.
7 h 26 min
